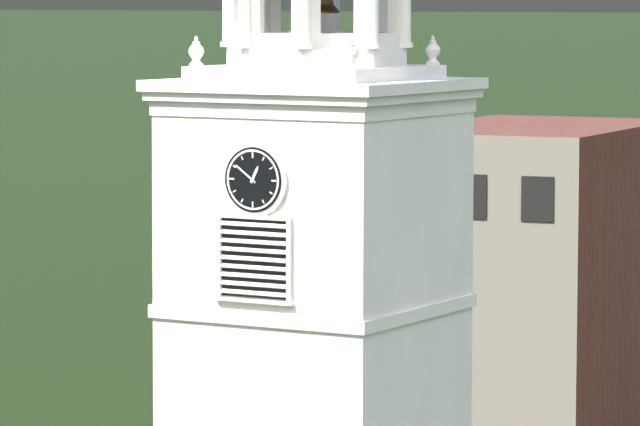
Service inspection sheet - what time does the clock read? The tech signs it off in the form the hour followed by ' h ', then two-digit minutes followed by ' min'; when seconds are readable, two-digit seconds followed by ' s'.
12 h 51 min
